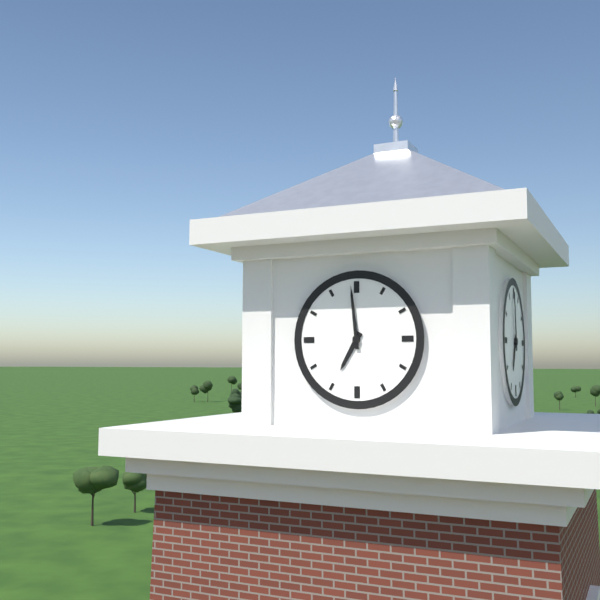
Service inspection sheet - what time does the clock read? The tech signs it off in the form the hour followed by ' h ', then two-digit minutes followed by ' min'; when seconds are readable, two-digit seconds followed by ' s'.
6 h 59 min
